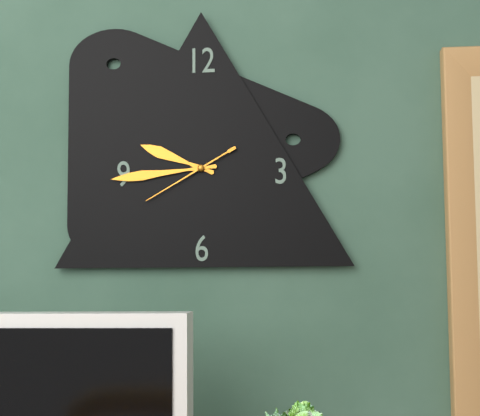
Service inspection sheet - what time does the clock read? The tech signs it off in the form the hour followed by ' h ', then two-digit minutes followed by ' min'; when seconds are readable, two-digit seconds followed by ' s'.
9 h 44 min 40 s
